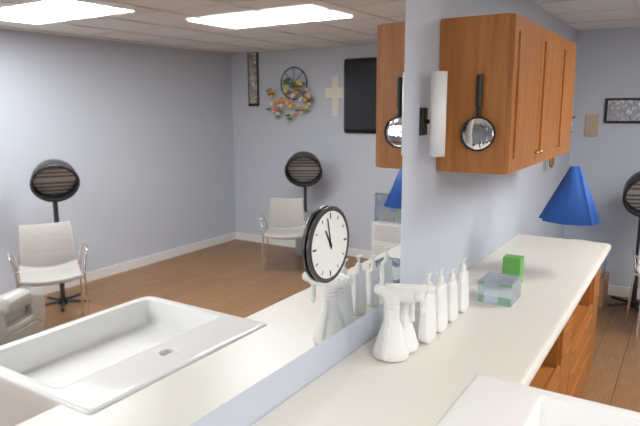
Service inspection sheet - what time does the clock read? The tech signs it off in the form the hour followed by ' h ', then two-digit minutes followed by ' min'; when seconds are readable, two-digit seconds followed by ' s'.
10 h 58 min
